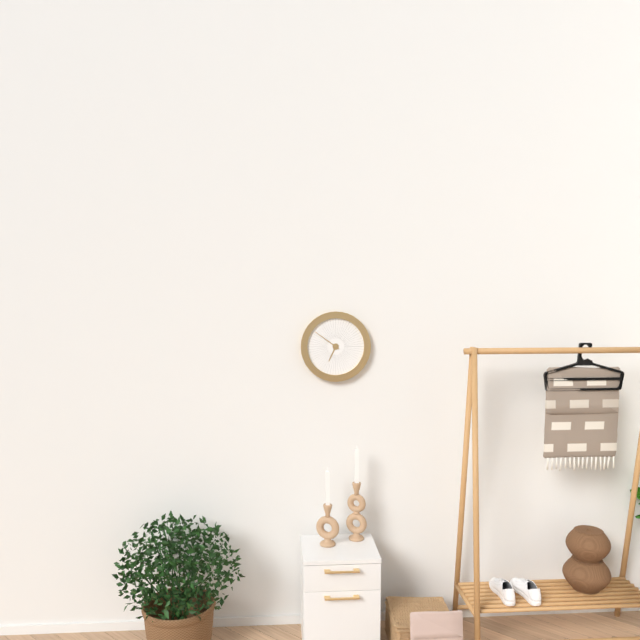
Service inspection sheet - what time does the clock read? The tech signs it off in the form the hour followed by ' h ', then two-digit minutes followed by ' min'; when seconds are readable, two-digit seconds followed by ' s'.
6 h 51 min
